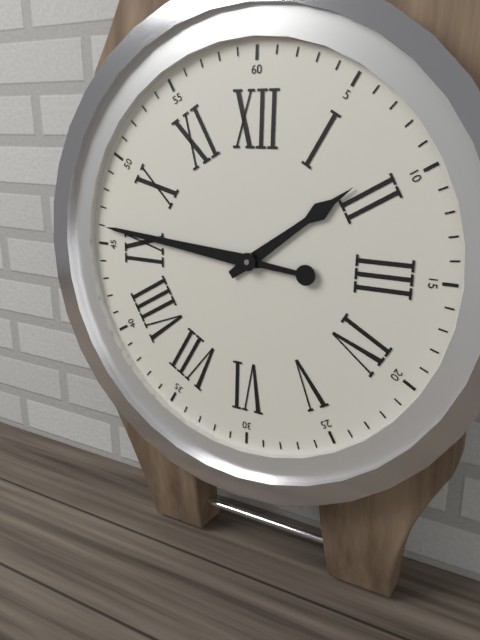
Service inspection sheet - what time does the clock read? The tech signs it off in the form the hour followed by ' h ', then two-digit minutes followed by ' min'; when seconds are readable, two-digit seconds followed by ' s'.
1 h 46 min
